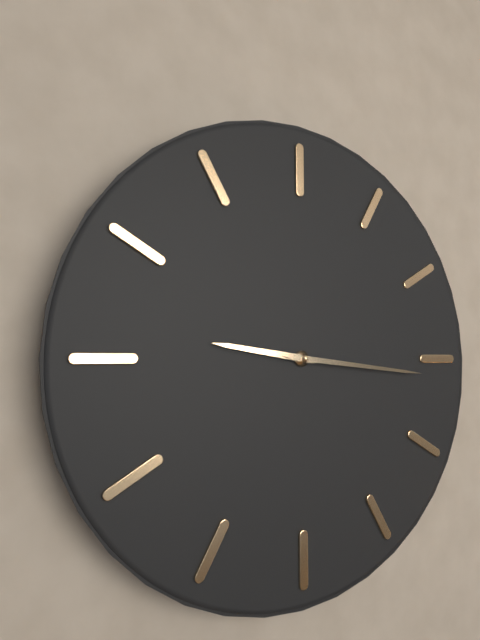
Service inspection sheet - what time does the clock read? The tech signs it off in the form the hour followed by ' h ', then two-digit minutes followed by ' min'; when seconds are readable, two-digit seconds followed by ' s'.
9 h 16 min
